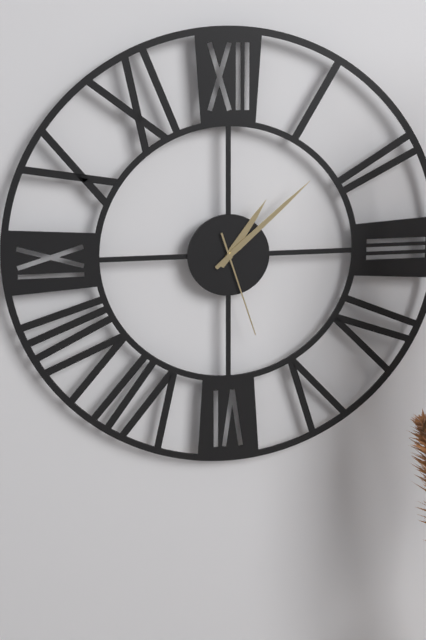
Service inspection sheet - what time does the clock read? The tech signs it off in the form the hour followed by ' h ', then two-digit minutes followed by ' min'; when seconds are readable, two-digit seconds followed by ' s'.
1 h 08 min 27 s
